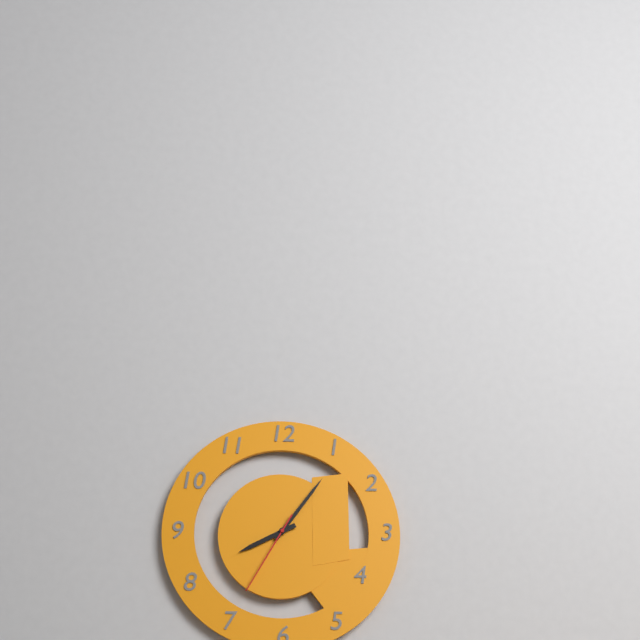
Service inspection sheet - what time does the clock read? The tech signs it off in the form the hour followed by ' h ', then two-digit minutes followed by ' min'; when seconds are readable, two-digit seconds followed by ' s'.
8 h 06 min 35 s
